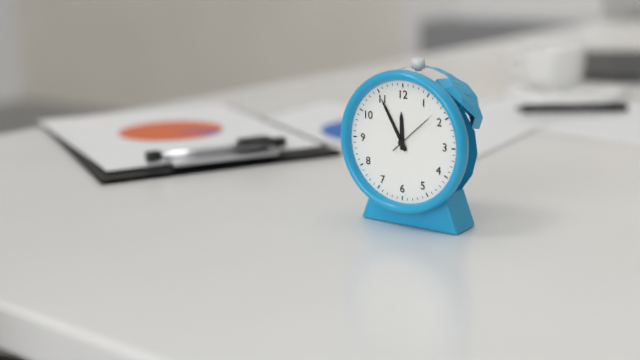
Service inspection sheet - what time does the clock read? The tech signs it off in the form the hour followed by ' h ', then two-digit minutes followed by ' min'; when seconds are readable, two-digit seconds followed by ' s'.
11 h 55 min 08 s
